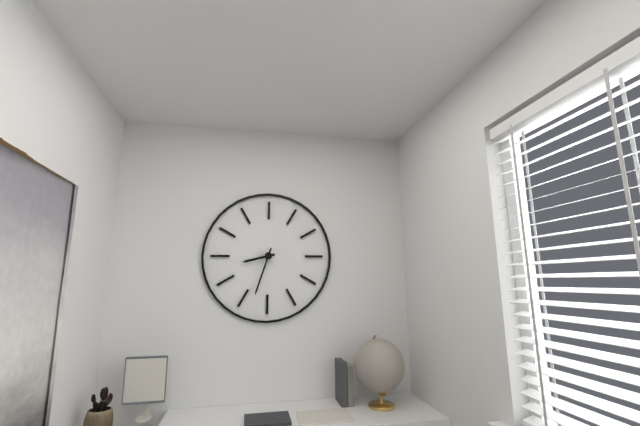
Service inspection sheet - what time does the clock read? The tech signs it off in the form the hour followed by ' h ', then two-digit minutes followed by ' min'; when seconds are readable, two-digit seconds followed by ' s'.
8 h 33 min
